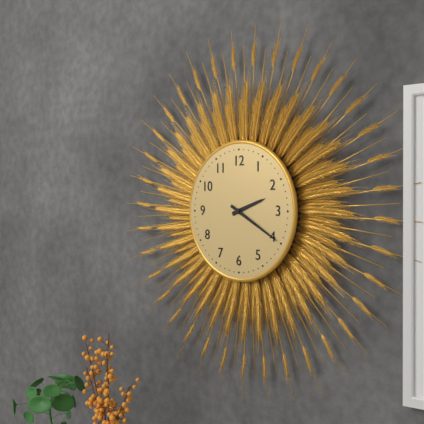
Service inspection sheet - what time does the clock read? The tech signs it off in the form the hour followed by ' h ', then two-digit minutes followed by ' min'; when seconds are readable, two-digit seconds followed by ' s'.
2 h 20 min
